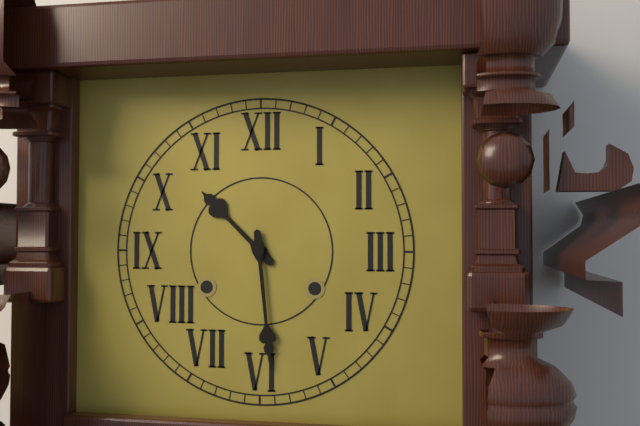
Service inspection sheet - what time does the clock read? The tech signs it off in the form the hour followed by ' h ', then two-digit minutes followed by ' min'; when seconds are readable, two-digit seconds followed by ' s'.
10 h 29 min
